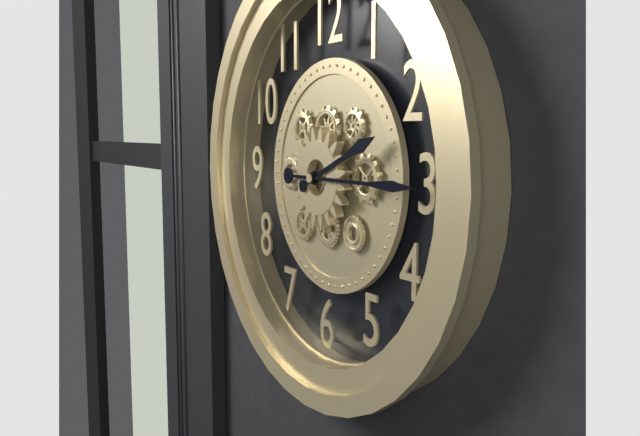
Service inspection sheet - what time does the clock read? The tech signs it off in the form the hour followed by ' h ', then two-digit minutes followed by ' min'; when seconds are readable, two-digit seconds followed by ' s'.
2 h 15 min
